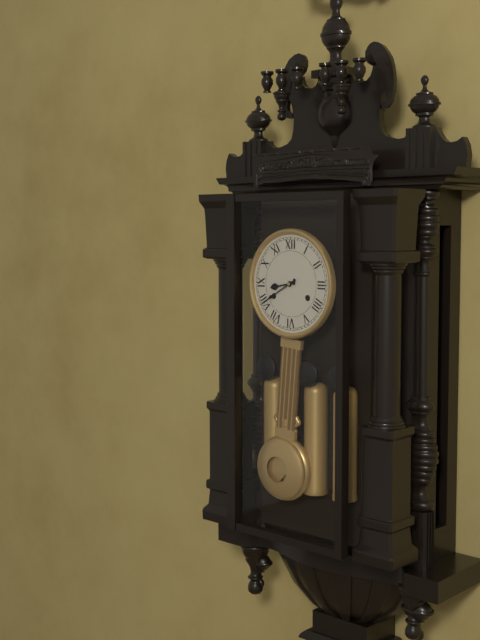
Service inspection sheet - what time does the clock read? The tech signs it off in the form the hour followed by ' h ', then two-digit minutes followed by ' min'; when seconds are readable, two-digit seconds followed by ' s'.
8 h 40 min
